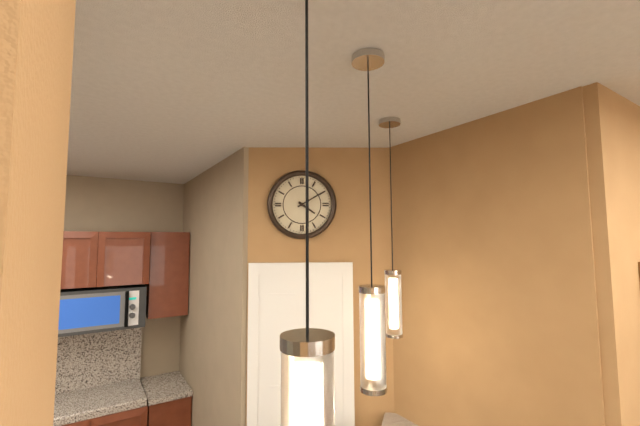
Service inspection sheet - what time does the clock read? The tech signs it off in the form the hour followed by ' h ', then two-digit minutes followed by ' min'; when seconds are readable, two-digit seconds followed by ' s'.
4 h 10 min
